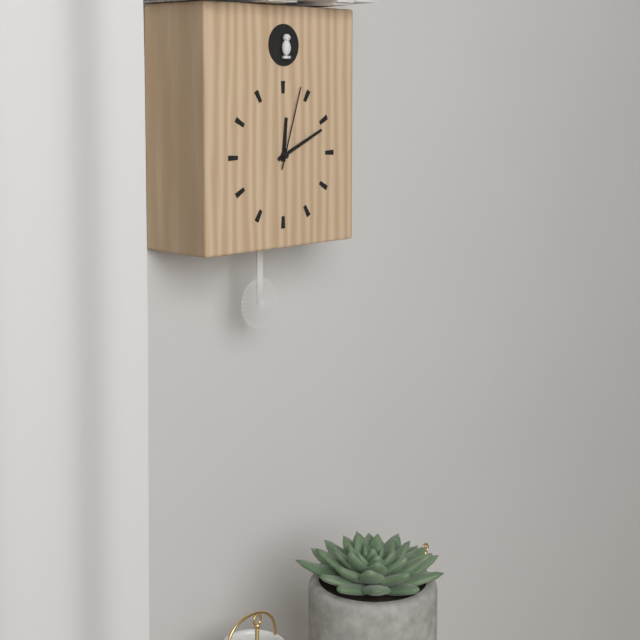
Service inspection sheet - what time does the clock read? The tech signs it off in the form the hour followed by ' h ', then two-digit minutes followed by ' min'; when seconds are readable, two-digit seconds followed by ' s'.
12 h 11 min 03 s
